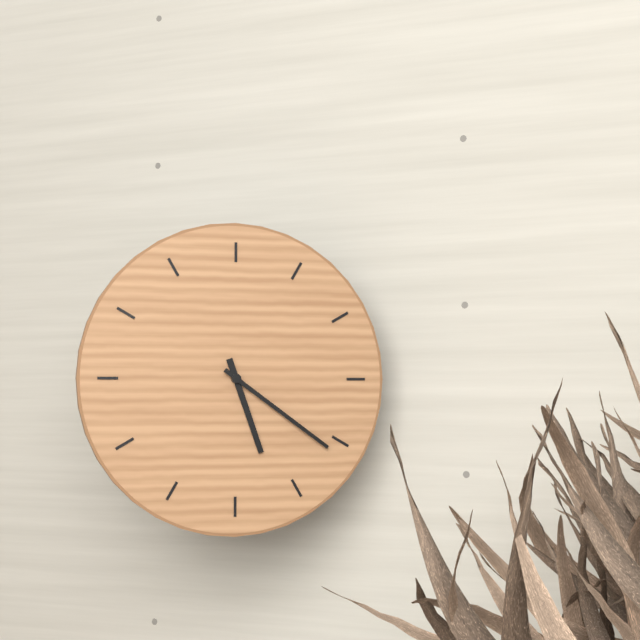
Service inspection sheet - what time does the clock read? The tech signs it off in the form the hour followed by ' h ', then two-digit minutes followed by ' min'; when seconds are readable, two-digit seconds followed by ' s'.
5 h 21 min
